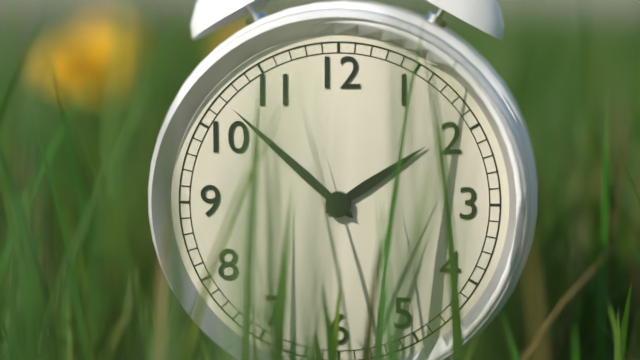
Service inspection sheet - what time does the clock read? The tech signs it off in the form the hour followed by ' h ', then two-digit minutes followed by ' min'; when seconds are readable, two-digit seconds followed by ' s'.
1 h 52 min
